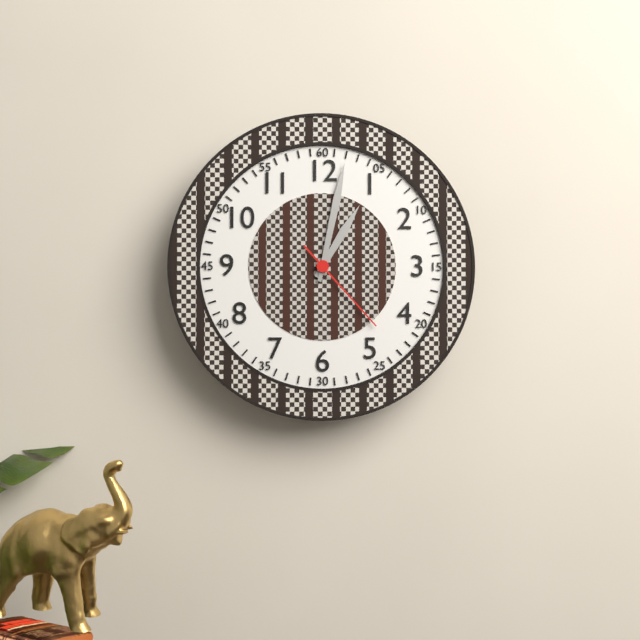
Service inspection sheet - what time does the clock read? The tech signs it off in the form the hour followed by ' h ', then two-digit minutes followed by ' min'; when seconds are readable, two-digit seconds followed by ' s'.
1 h 02 min 23 s
